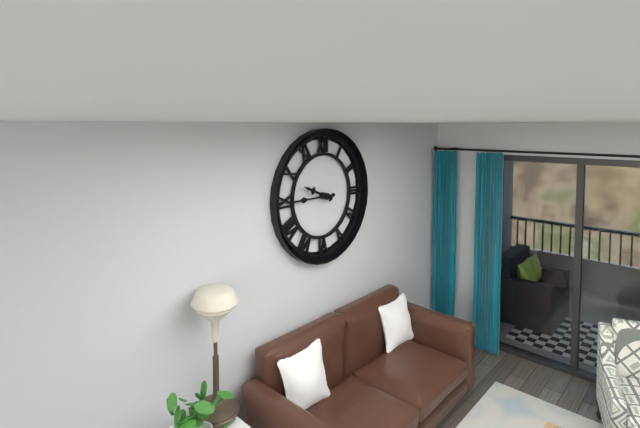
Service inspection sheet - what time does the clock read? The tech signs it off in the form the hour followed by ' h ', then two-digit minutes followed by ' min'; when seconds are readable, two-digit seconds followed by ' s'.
9 h 45 min
